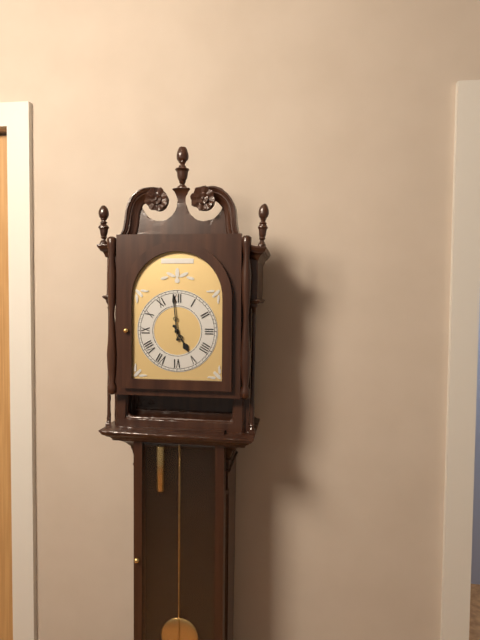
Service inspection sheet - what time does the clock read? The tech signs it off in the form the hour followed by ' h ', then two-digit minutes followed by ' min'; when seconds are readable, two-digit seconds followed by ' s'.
4 h 59 min
